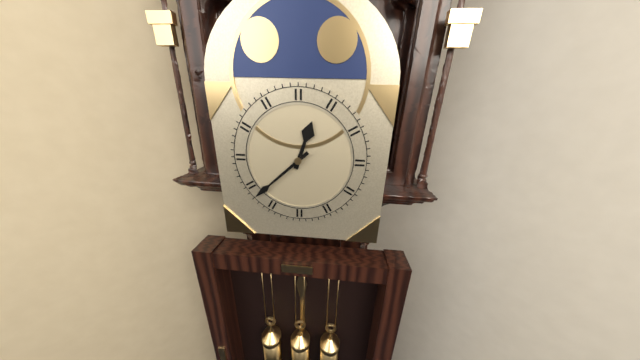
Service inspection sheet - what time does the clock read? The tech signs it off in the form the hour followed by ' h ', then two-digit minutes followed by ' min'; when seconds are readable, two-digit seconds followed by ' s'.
12 h 38 min
